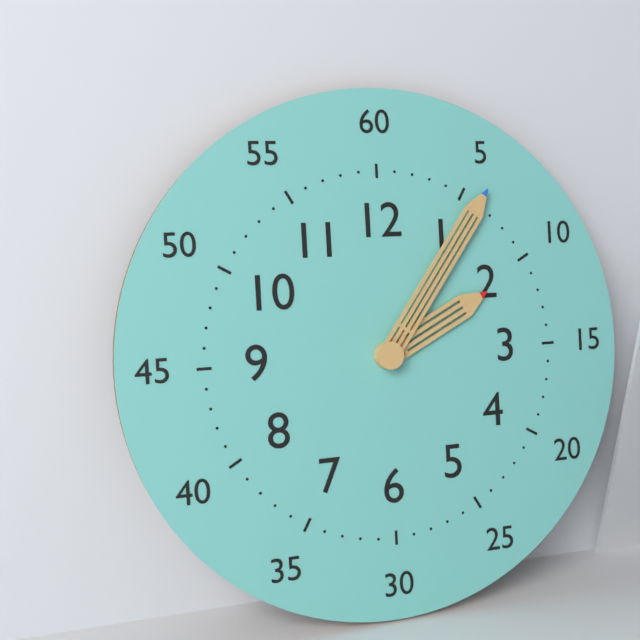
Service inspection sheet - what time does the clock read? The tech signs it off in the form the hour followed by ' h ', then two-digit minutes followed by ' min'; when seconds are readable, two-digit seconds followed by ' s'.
2 h 06 min
